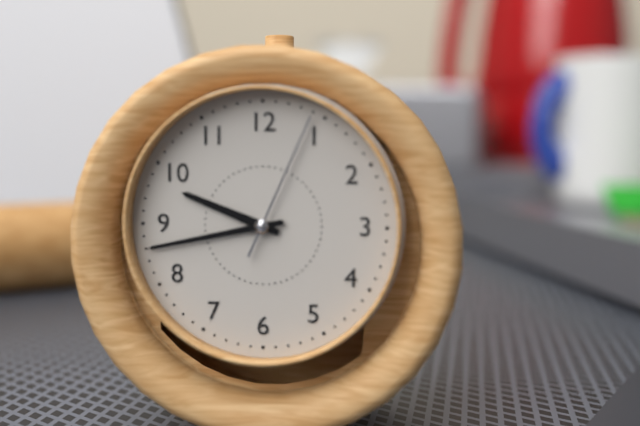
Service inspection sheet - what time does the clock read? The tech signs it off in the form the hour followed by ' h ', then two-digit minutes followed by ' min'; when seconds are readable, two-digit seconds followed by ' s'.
9 h 43 min 04 s
